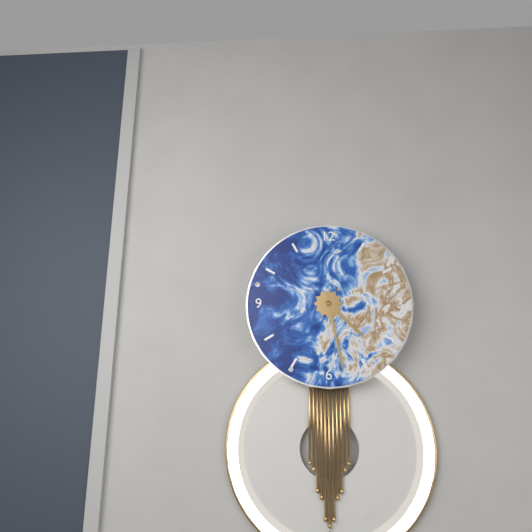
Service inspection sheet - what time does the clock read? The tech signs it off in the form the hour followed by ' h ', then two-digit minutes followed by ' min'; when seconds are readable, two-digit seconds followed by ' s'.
4 h 28 min
